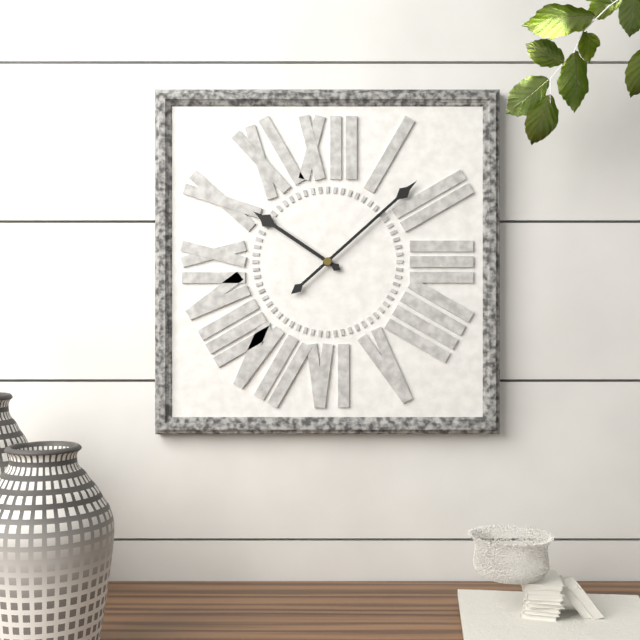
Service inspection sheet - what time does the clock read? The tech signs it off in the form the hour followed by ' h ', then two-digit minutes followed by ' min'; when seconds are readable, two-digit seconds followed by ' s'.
10 h 08 min
